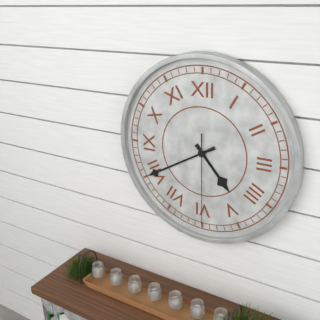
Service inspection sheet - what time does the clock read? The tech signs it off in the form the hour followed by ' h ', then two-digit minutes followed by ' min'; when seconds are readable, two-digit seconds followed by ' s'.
4 h 40 min 30 s
